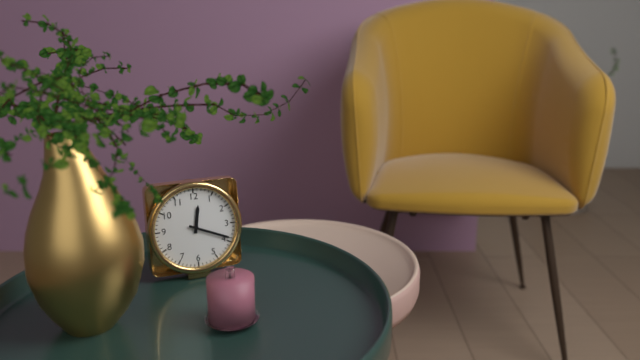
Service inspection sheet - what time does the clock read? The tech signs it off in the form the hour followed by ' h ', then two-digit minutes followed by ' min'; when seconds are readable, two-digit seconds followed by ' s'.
12 h 19 min
